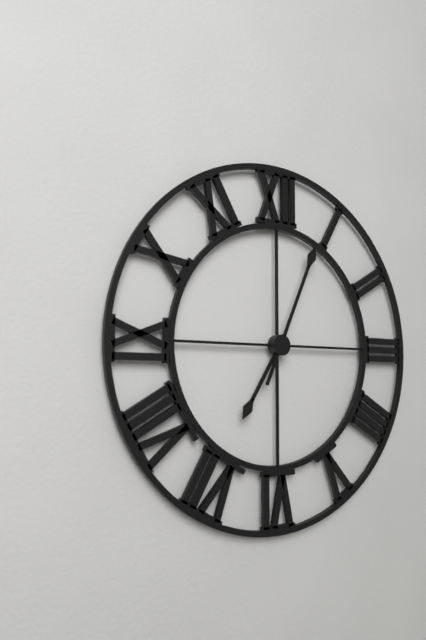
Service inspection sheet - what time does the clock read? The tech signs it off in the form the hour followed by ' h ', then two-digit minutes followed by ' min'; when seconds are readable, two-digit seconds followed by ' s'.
7 h 04 min
